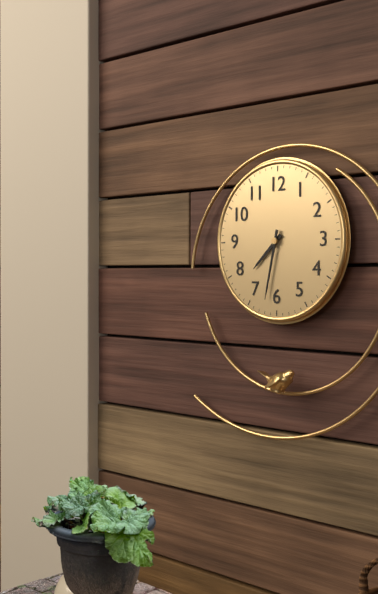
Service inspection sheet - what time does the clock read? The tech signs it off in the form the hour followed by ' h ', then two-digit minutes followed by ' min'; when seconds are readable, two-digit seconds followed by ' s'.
7 h 32 min
